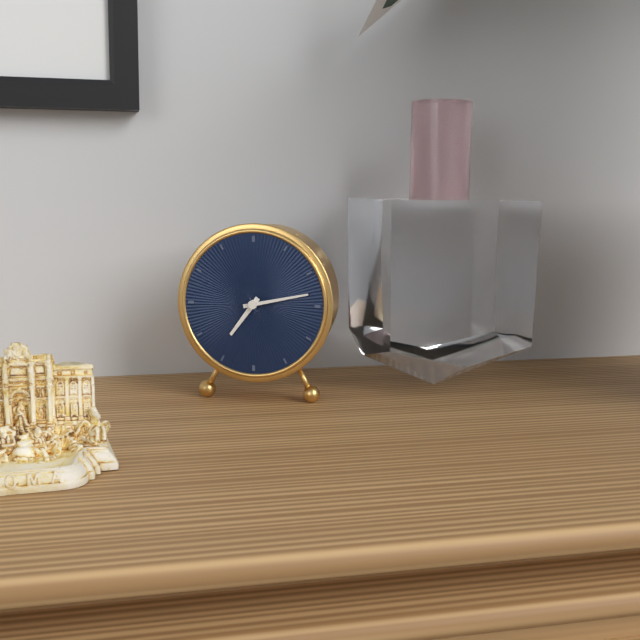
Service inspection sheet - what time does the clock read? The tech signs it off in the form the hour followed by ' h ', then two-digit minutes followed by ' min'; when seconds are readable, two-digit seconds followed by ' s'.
7 h 13 min
